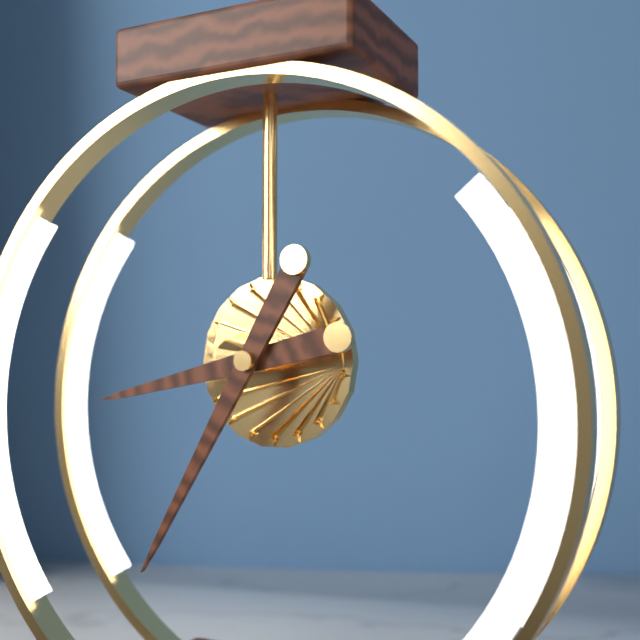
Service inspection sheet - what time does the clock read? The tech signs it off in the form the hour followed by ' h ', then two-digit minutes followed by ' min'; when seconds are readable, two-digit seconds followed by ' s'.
8 h 35 min
